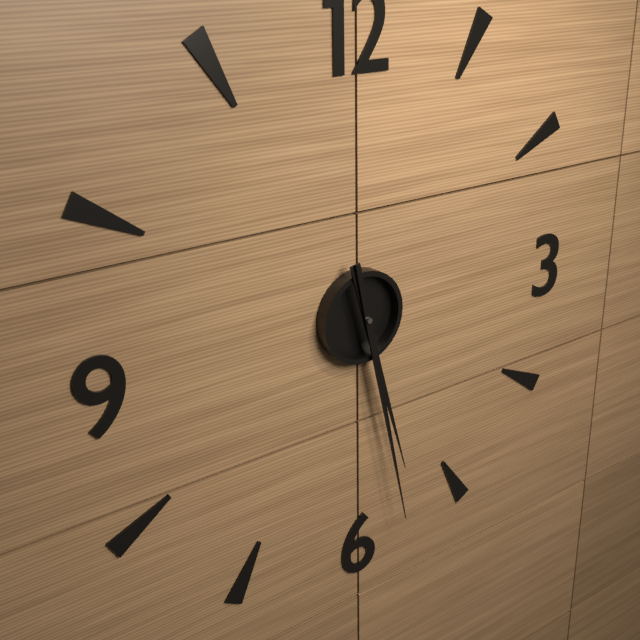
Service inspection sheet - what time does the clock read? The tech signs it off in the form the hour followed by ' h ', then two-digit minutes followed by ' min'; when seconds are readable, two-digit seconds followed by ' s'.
5 h 28 min
